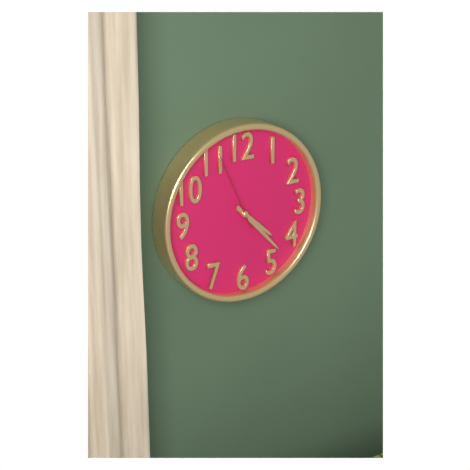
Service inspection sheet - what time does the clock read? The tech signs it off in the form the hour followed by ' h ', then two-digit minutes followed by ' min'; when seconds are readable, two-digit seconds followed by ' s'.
4 h 23 min 56 s
